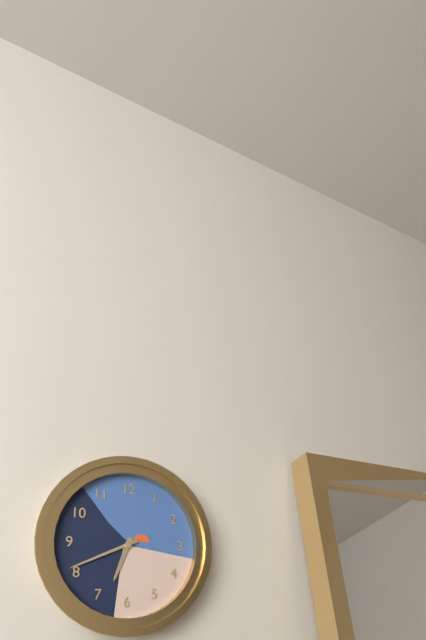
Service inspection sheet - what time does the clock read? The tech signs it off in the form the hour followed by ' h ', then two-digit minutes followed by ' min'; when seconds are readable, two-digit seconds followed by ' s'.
6 h 41 min
